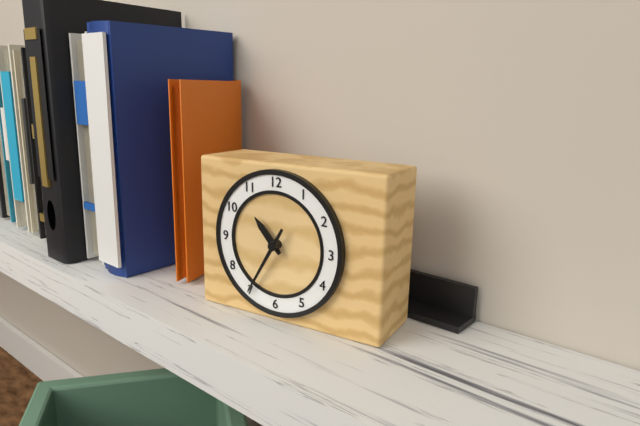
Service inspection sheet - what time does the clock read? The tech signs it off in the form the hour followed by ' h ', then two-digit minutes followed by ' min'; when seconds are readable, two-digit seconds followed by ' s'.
10 h 35 min
